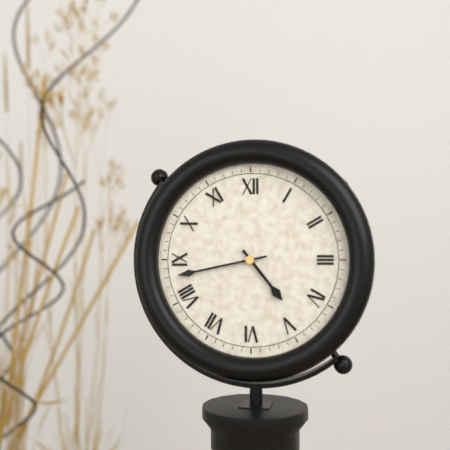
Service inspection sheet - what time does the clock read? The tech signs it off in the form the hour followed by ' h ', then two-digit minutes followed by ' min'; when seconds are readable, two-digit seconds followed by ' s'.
4 h 43 min
